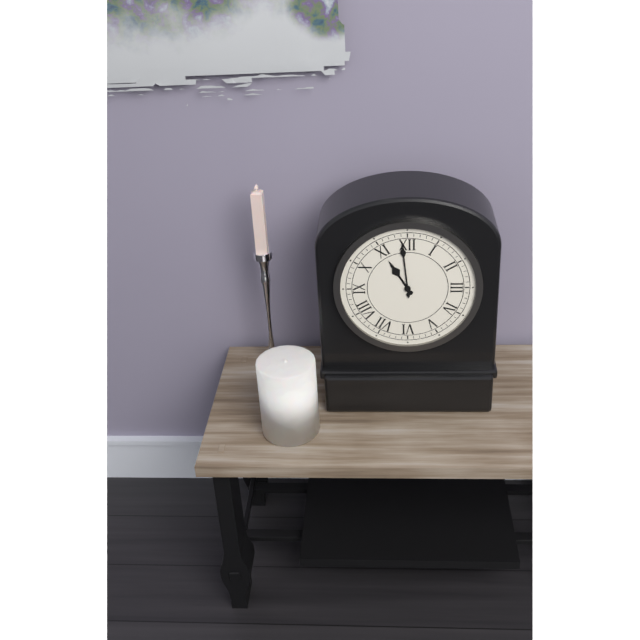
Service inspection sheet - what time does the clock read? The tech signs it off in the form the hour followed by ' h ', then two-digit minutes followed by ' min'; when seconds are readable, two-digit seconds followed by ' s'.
10 h 59 min
